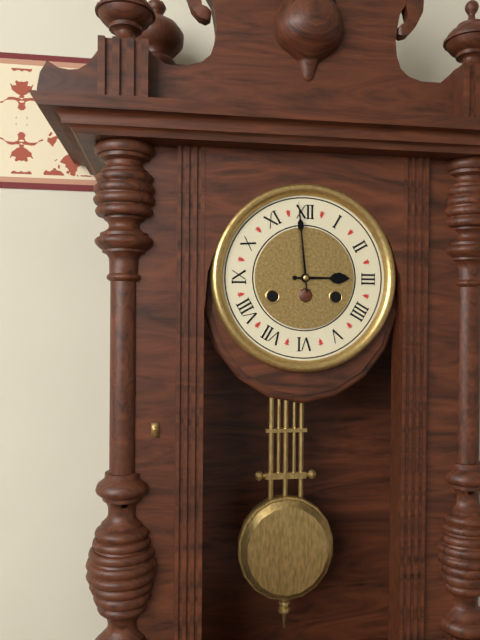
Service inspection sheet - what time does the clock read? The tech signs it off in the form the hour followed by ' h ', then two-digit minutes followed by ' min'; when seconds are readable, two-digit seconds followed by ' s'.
2 h 59 min
